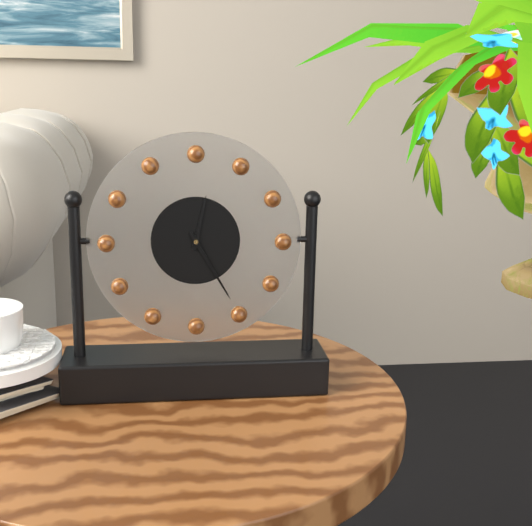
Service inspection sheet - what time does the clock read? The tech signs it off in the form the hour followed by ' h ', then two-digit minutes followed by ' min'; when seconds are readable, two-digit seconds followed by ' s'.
12 h 25 min
